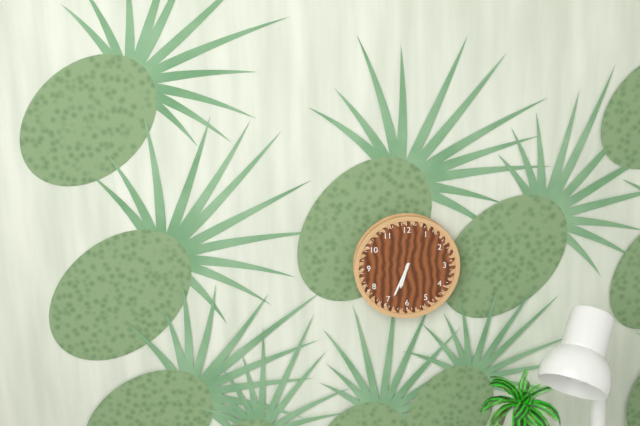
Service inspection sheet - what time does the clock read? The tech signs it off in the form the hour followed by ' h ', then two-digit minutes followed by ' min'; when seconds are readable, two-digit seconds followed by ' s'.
6 h 34 min
